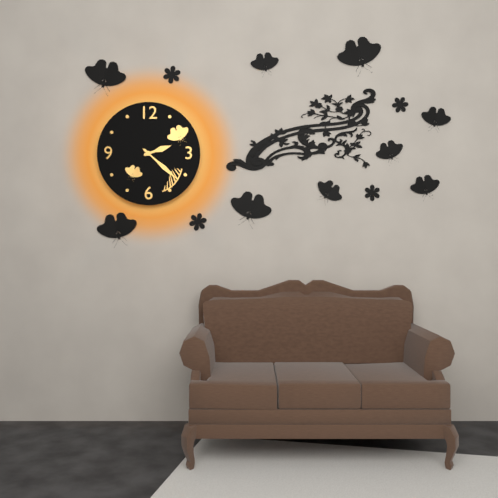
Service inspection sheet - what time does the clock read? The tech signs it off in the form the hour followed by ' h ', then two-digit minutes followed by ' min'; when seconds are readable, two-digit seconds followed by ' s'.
2 h 22 min
